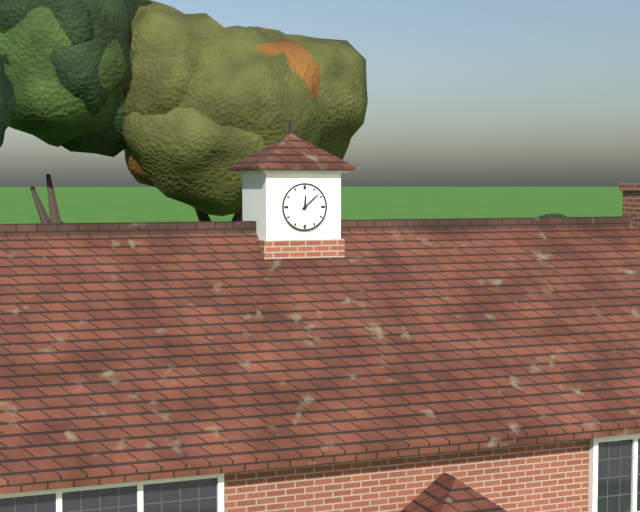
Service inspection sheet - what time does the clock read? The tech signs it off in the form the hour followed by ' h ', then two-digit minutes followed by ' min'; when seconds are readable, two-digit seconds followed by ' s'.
12 h 08 min
